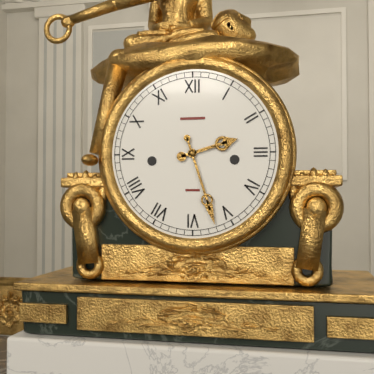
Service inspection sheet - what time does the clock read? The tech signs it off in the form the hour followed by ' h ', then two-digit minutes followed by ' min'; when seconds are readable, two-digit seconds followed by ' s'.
2 h 27 min
